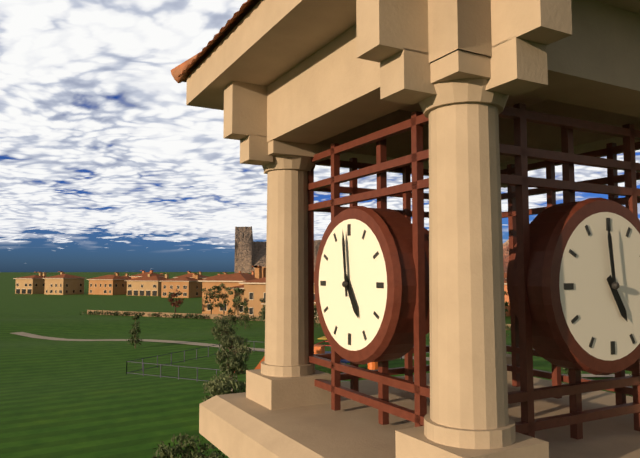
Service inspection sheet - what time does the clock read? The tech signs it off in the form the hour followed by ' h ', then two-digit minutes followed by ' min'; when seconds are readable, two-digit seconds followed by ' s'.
4 h 59 min
